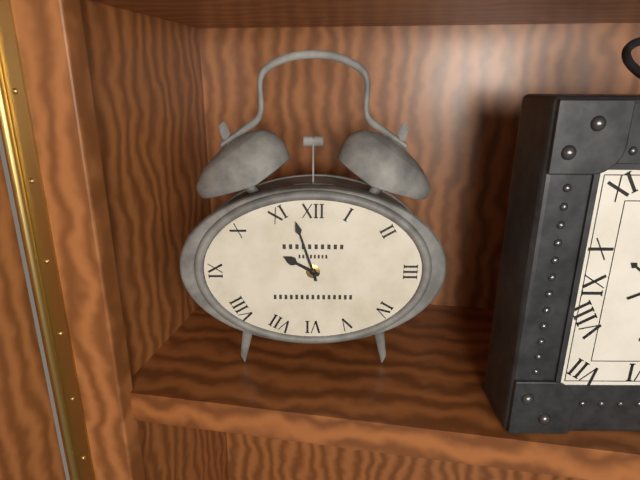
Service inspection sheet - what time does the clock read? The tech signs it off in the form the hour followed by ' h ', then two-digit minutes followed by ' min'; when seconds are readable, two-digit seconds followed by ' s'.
9 h 57 min
